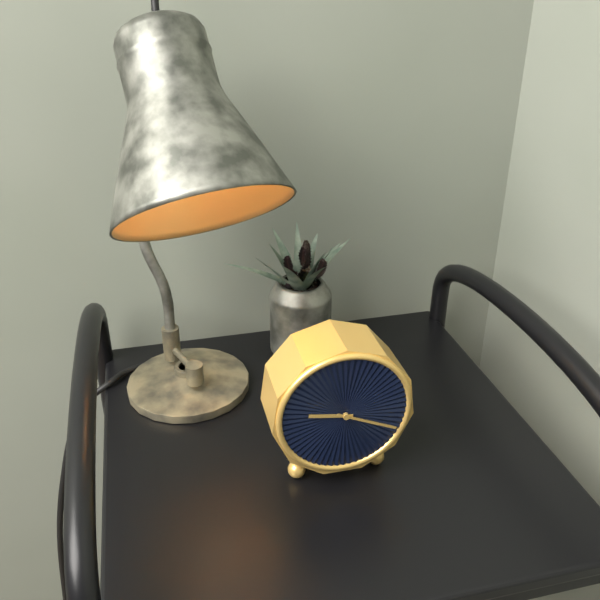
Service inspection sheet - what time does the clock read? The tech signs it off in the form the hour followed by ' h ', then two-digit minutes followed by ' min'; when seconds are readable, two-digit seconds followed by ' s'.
9 h 19 min
